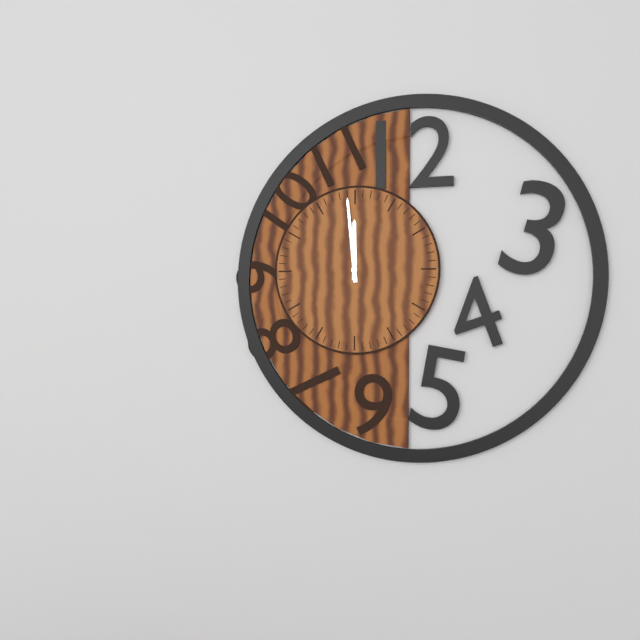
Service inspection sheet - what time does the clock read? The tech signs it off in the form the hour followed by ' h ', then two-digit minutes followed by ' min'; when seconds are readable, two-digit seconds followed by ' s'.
11 h 59 min
